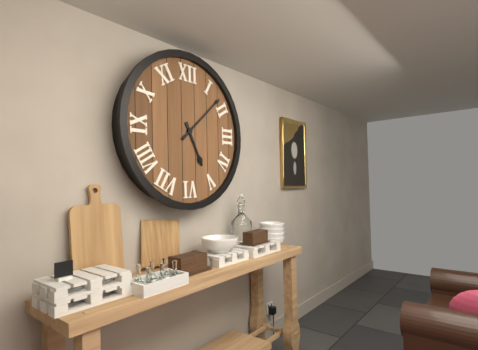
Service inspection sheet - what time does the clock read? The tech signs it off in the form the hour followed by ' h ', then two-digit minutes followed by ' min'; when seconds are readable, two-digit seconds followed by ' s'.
5 h 08 min
